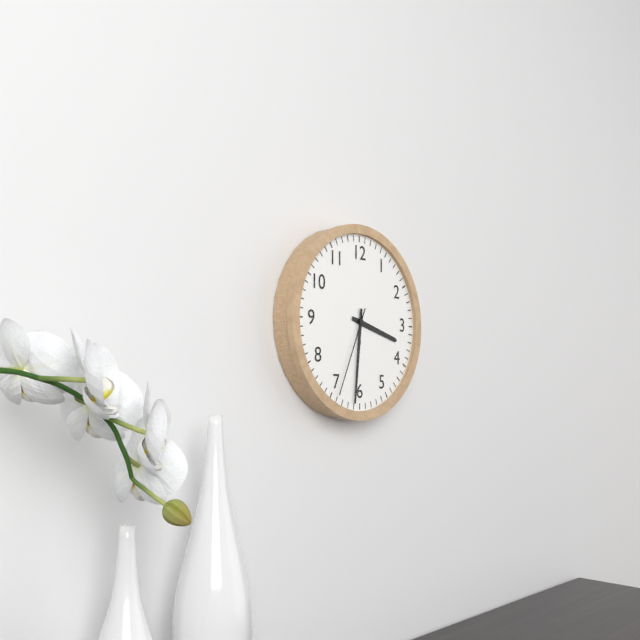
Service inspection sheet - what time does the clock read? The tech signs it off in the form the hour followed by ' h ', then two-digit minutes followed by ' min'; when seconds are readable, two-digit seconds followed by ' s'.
3 h 31 min 34 s
